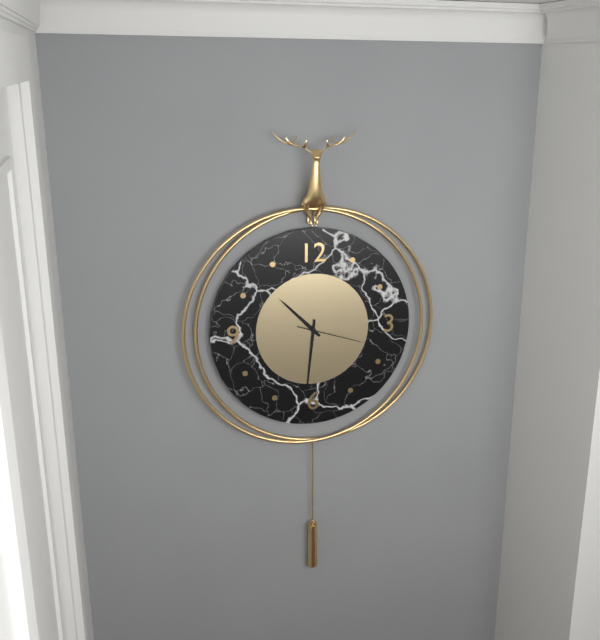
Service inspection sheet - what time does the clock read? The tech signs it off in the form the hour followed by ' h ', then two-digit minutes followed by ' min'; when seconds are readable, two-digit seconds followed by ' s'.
10 h 31 min 18 s
